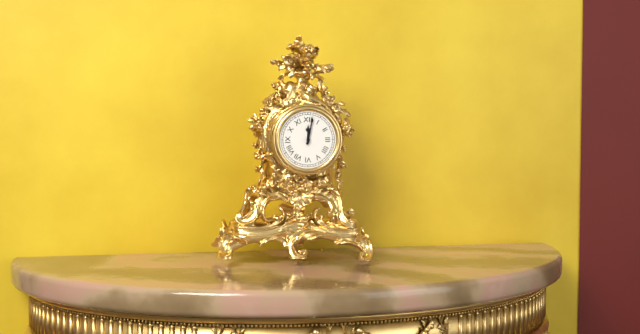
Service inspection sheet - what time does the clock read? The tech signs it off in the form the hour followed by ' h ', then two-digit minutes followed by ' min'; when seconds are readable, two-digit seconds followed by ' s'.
12 h 02 min
